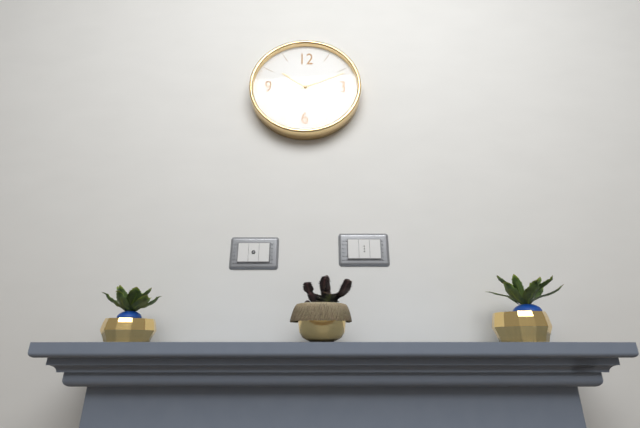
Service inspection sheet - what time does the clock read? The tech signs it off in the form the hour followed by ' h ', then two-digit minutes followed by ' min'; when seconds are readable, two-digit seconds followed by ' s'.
10 h 11 min
